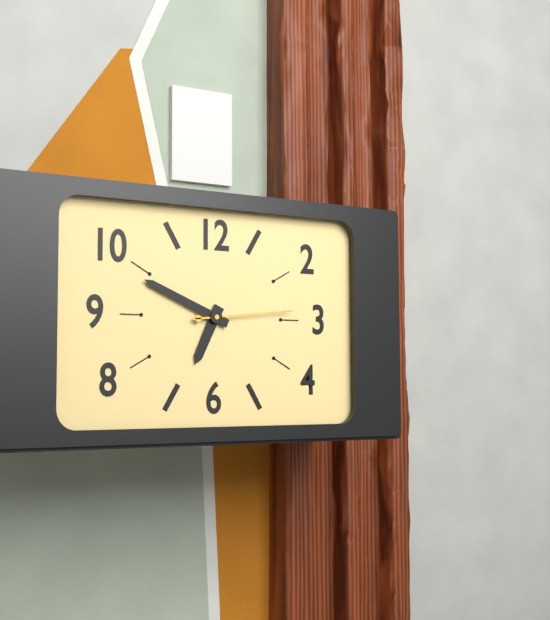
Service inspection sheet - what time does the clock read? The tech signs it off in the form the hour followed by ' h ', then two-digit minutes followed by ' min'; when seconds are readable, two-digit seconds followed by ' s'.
6 h 49 min 14 s
